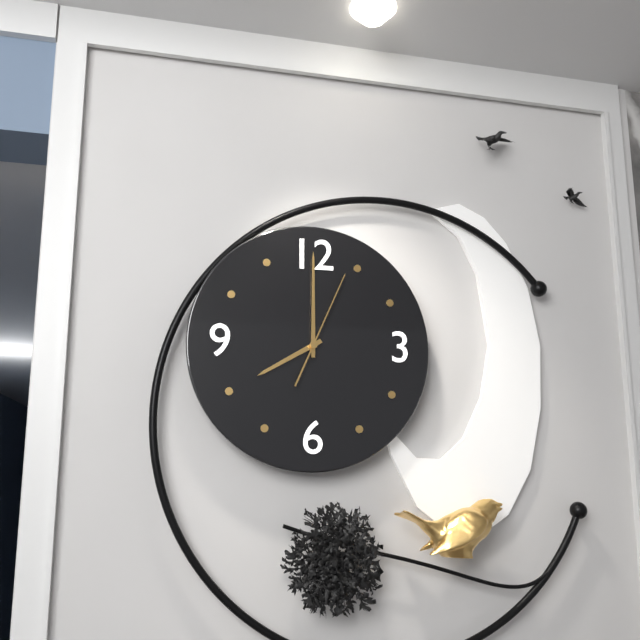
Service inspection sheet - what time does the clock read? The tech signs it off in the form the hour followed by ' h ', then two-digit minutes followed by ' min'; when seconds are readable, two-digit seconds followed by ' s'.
8 h 00 min 04 s
